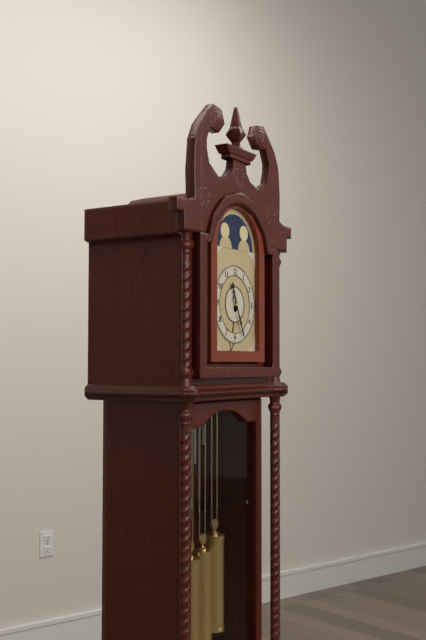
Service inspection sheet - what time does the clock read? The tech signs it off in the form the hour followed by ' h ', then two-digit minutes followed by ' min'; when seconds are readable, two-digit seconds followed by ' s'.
11 h 26 min
